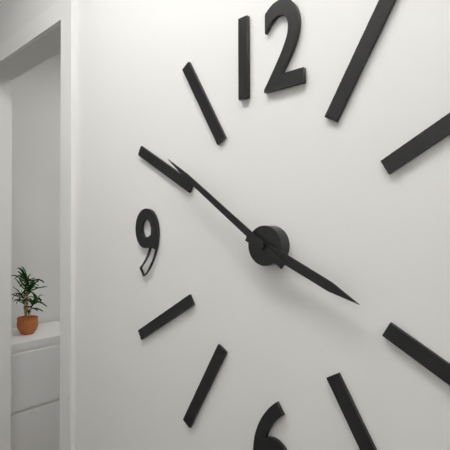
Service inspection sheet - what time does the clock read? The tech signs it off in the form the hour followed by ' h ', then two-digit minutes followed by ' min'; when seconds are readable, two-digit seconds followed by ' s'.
3 h 51 min
